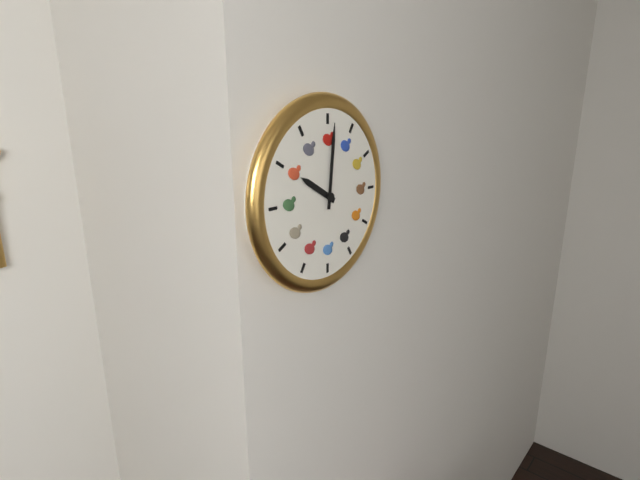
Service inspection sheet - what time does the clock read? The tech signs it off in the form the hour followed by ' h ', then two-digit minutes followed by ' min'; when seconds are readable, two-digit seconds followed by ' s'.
10 h 01 min
